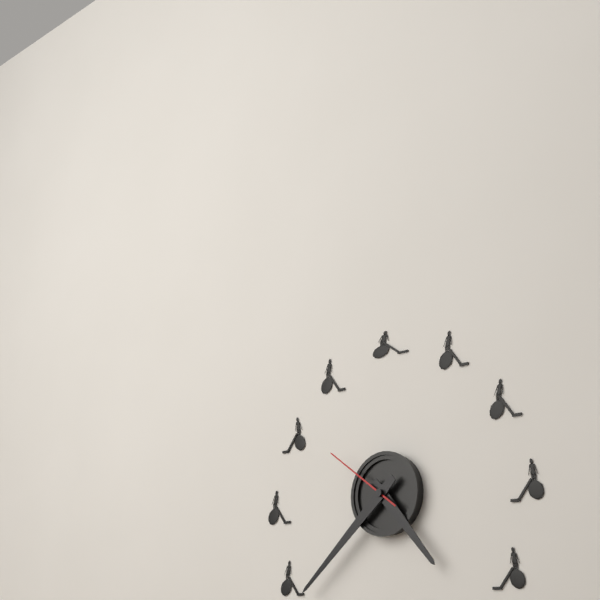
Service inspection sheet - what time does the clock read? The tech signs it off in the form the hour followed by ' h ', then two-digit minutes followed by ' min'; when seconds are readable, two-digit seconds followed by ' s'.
4 h 38 min 51 s
